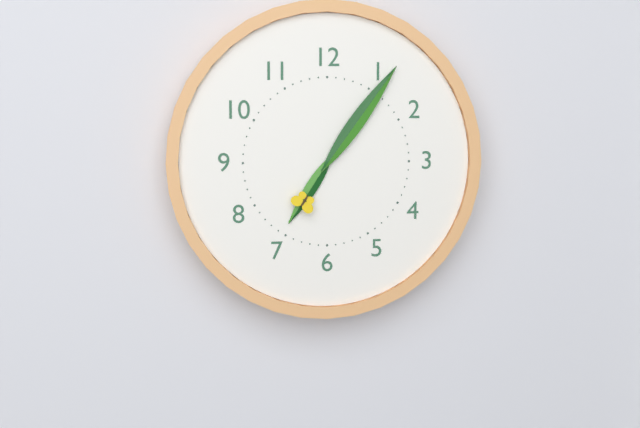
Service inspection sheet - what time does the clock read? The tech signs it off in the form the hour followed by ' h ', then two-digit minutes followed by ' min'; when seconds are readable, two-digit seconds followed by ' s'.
7 h 06 min
